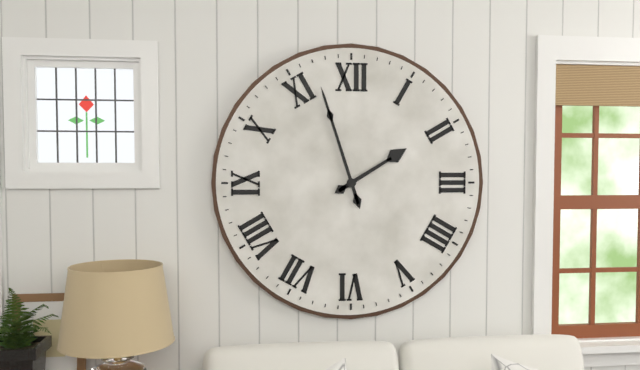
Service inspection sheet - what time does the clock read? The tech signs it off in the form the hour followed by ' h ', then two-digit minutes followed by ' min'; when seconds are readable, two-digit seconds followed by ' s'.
1 h 57 min
